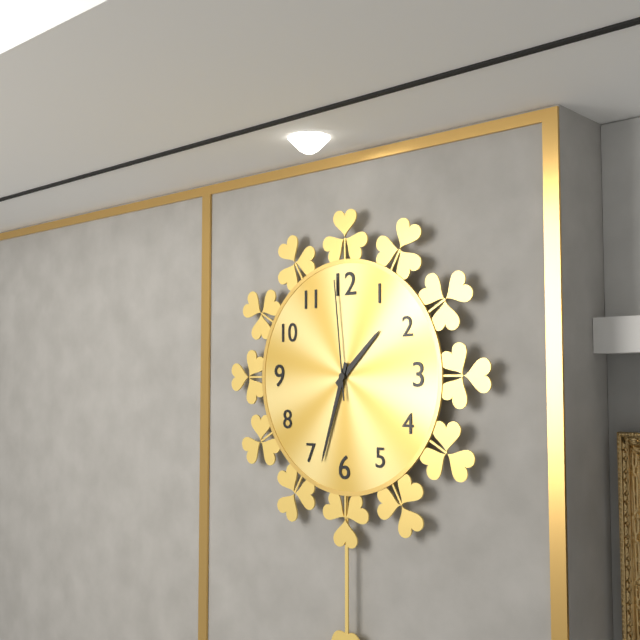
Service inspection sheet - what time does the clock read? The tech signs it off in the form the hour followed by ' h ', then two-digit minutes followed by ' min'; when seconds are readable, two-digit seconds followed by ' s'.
1 h 33 min 59 s
